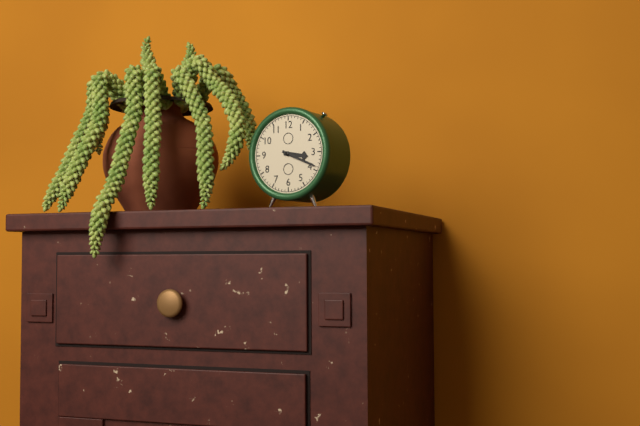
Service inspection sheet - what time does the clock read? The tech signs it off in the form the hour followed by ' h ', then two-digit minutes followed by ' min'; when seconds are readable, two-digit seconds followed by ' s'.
3 h 19 min
